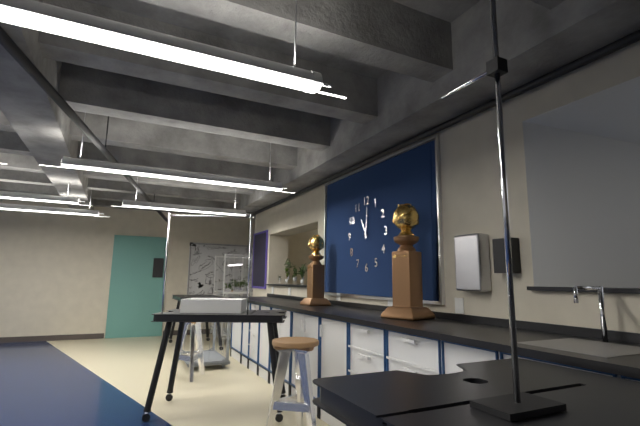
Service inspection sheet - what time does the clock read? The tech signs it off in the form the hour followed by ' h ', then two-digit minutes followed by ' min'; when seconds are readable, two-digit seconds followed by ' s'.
11 h 01 min
